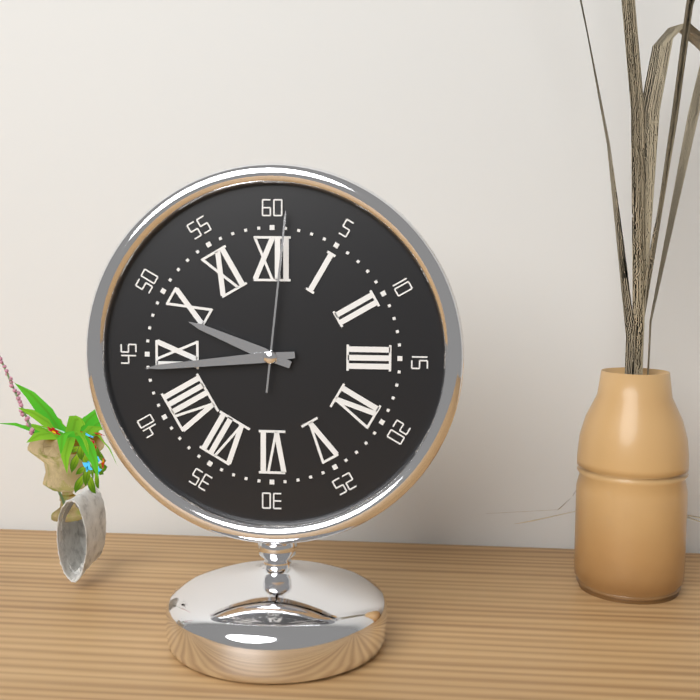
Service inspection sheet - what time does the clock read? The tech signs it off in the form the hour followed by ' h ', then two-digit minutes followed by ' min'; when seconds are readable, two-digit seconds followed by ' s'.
9 h 44 min 01 s
